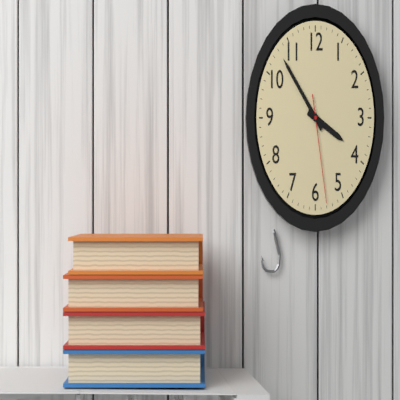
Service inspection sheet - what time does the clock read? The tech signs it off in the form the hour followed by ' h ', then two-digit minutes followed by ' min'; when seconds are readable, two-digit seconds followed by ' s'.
3 h 53 min 28 s
